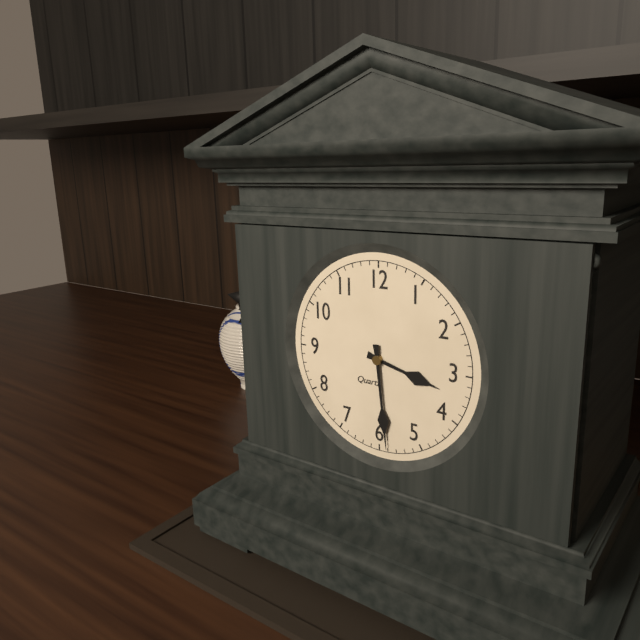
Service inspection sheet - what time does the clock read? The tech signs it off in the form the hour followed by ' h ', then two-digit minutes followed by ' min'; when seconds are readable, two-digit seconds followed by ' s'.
3 h 29 min
